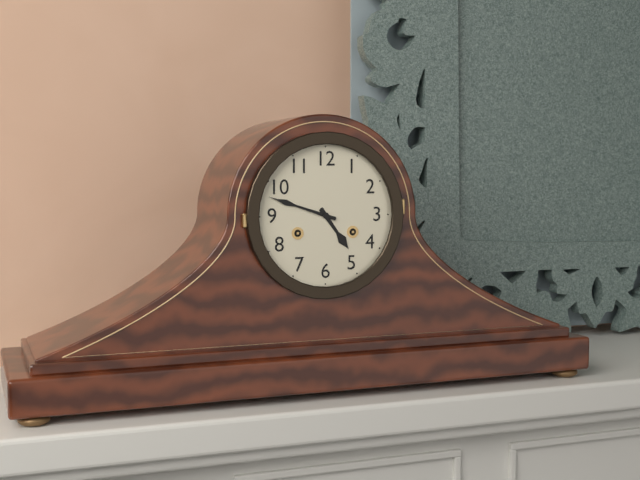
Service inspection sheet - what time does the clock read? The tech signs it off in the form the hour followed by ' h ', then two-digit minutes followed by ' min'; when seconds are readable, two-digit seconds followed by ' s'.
4 h 48 min
